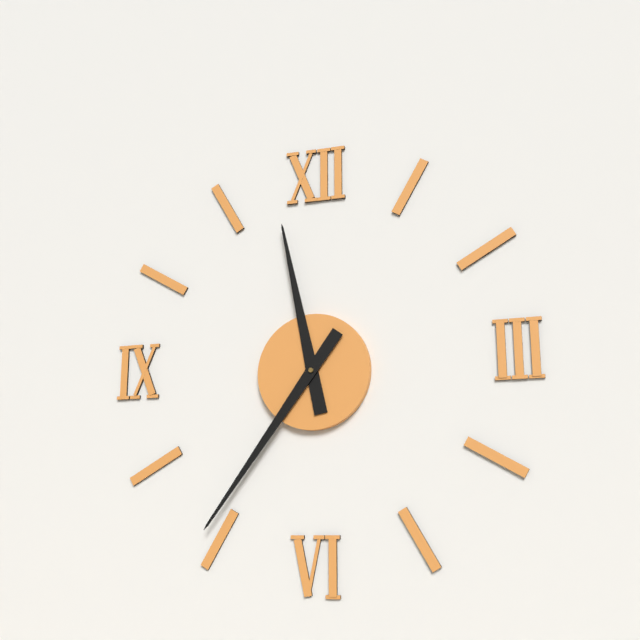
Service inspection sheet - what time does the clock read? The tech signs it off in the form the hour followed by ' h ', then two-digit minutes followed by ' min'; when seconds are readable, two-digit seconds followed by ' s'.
11 h 36 min
